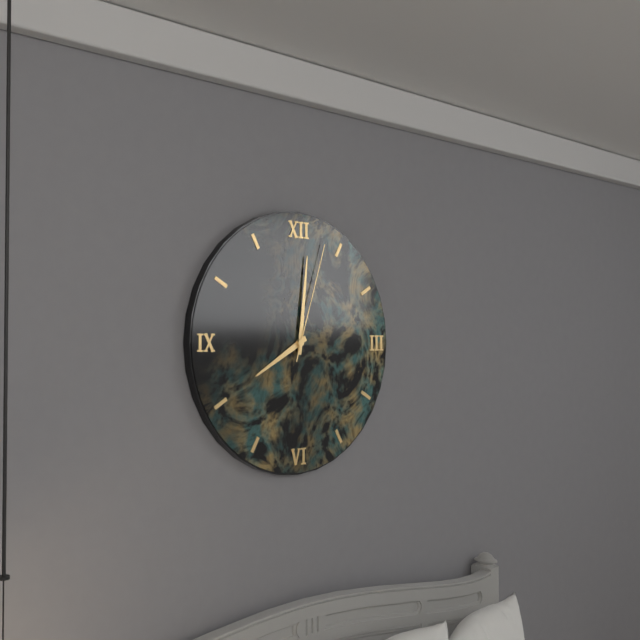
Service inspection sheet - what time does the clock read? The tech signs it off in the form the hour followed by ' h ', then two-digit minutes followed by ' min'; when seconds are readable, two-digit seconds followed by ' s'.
8 h 01 min 03 s
